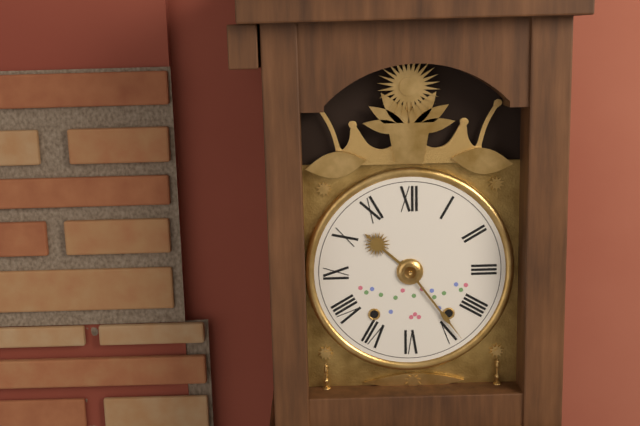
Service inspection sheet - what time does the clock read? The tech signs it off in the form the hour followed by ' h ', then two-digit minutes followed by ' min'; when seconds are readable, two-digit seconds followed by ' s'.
10 h 24 min
